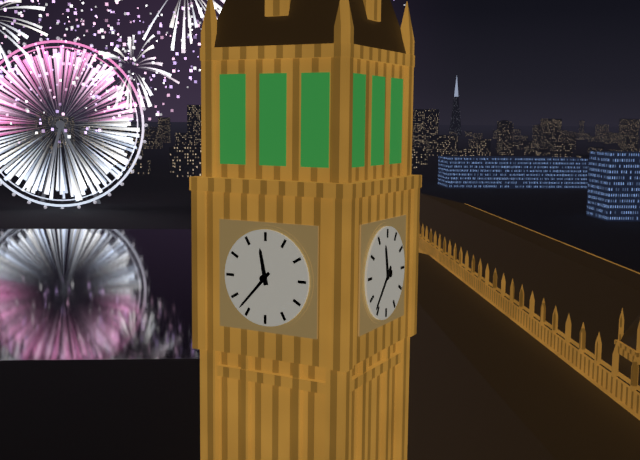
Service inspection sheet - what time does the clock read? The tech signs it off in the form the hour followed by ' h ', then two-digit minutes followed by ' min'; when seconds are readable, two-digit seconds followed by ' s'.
11 h 37 min
